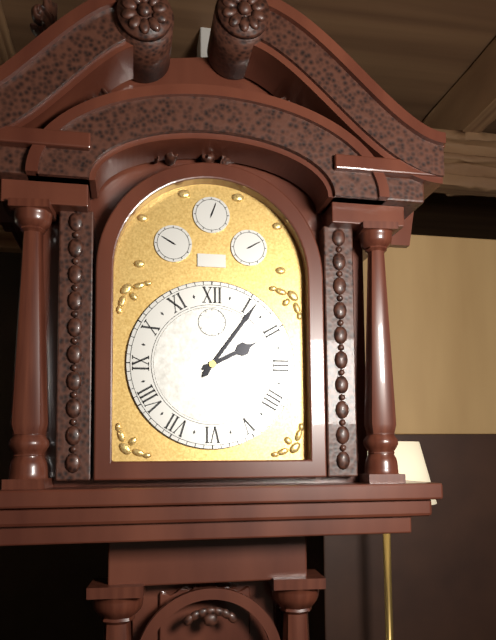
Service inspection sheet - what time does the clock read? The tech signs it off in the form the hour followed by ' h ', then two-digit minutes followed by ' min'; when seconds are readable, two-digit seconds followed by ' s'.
2 h 06 min
